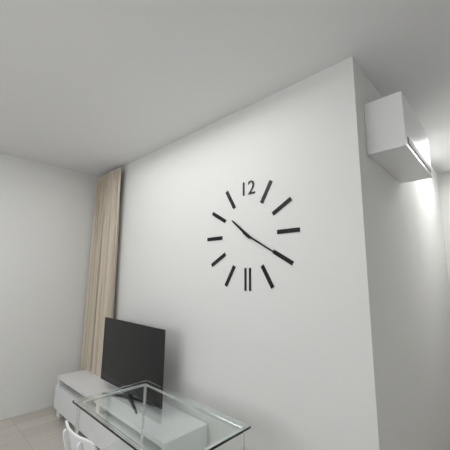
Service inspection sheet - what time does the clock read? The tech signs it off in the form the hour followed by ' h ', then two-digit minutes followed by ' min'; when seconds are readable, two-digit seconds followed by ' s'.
10 h 20 min
